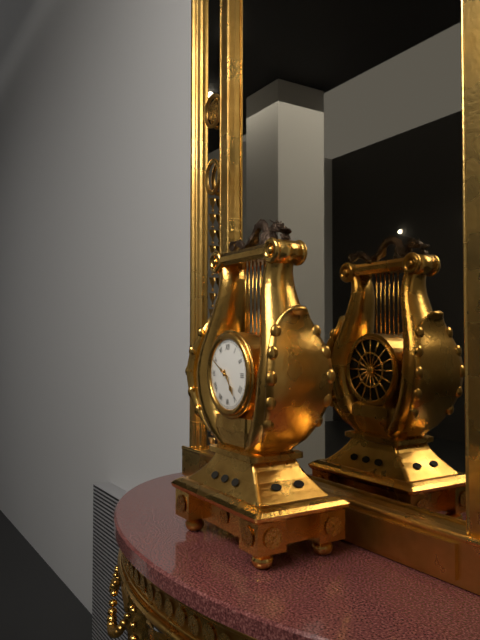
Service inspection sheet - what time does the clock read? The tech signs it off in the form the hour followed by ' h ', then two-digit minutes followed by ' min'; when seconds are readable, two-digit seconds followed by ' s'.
4 h 50 min
